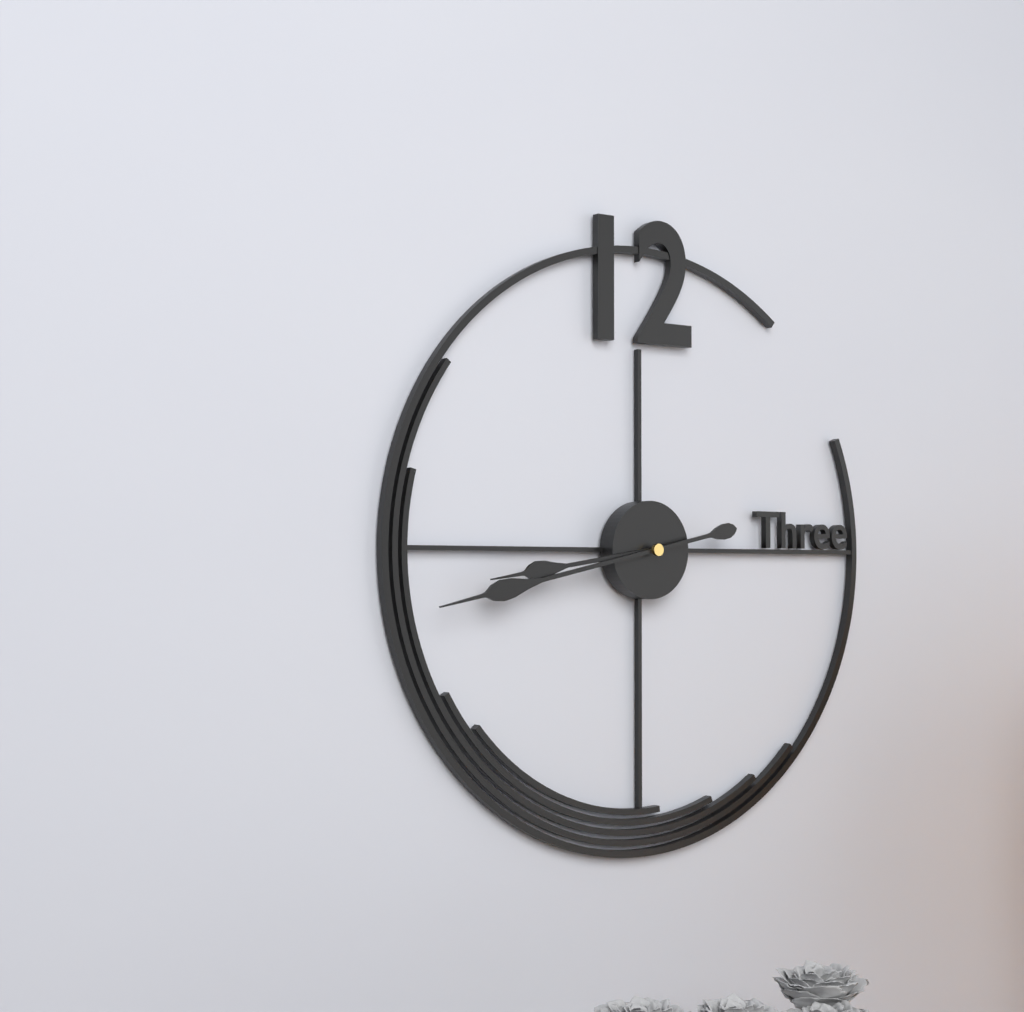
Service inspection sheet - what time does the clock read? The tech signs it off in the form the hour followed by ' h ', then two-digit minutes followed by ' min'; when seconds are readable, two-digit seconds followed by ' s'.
8 h 43 min
